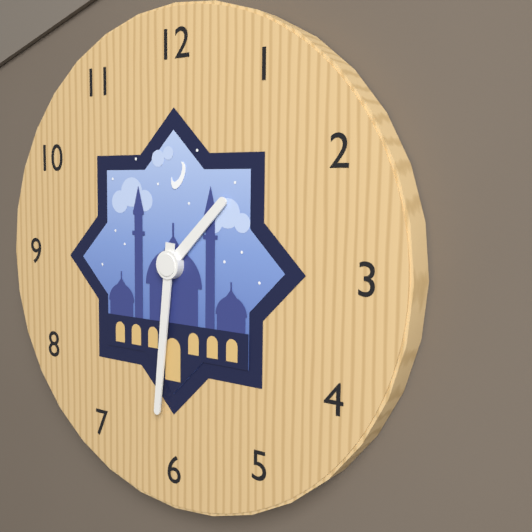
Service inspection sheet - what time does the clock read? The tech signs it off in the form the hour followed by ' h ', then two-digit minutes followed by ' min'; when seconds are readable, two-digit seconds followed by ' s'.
1 h 31 min
